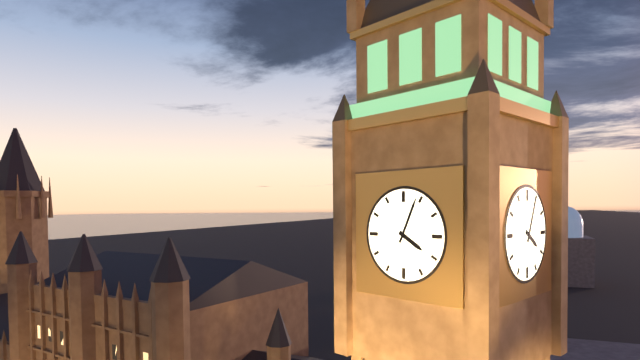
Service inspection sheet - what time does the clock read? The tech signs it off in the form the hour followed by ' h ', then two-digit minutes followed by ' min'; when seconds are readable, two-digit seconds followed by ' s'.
4 h 04 min
